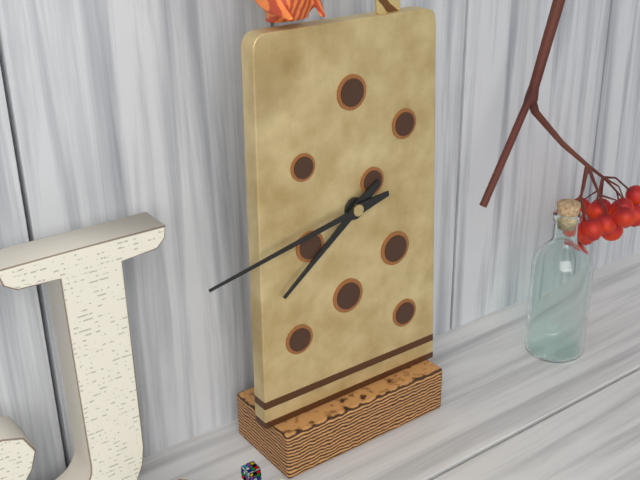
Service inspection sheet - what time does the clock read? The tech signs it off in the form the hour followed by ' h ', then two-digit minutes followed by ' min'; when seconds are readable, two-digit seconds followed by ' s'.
7 h 43 min
